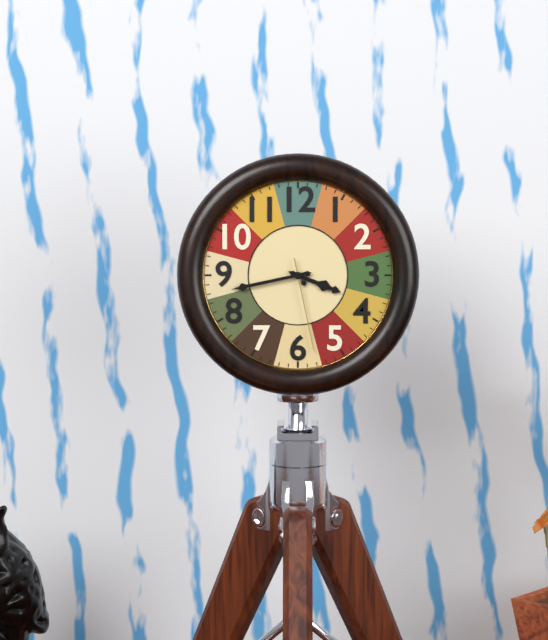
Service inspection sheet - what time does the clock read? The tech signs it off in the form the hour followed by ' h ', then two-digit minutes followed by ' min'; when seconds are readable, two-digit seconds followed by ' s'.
3 h 43 min 28 s
